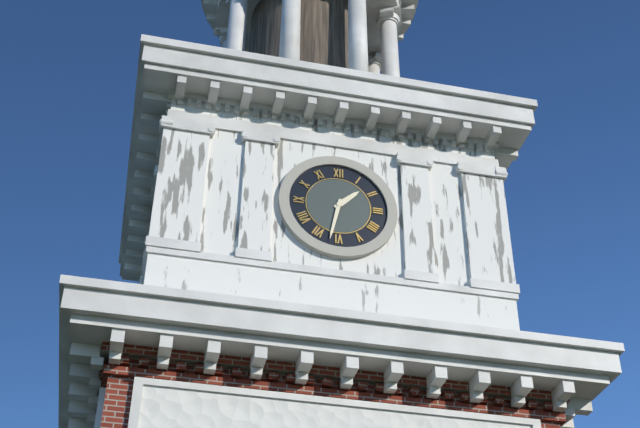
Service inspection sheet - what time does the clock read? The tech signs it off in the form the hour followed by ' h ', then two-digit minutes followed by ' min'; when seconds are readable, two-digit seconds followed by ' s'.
1 h 32 min
